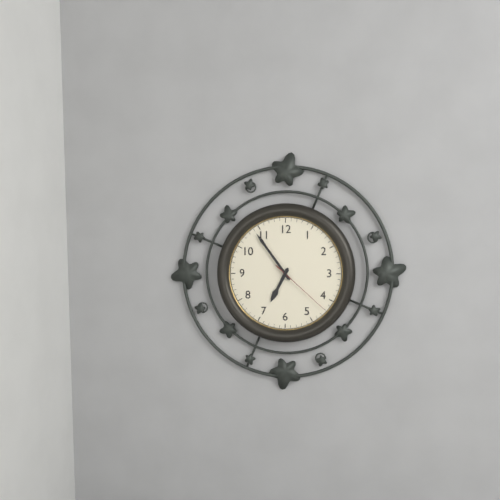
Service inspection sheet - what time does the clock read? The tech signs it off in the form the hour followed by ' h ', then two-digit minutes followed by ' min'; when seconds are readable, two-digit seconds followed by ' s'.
6 h 54 min 22 s
